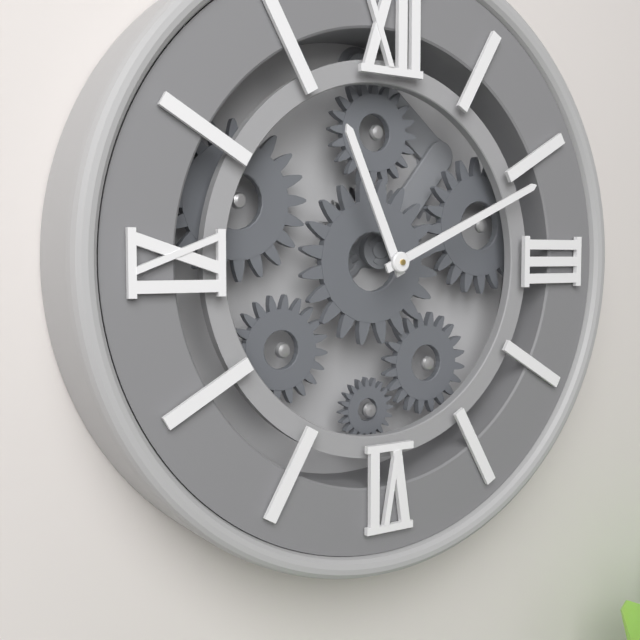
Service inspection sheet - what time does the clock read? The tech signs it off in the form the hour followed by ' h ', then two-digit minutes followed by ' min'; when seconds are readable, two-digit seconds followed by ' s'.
11 h 11 min
